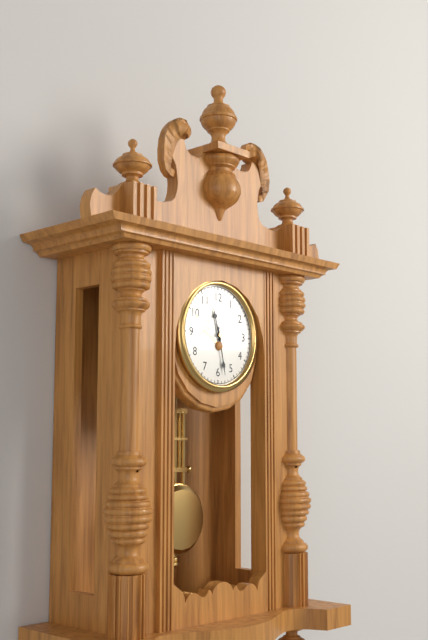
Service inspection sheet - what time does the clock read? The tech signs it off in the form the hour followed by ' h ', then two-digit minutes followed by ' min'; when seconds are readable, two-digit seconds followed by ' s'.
11 h 28 min
